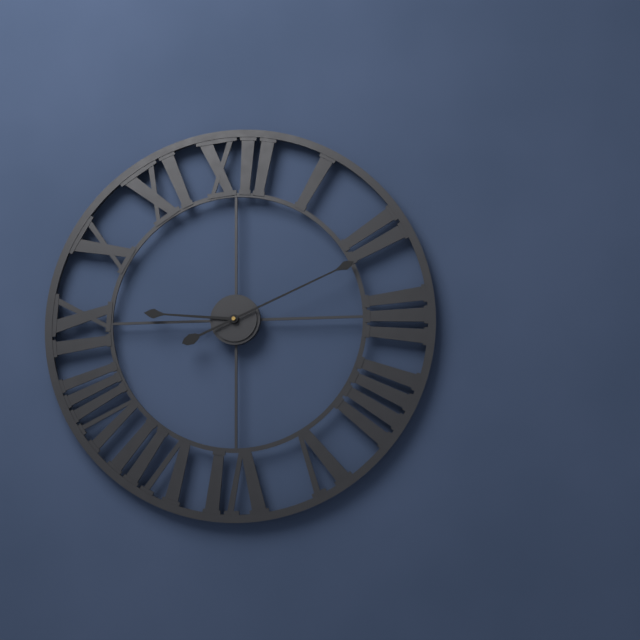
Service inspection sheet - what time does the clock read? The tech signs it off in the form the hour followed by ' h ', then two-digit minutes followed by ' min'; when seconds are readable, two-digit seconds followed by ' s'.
9 h 11 min
